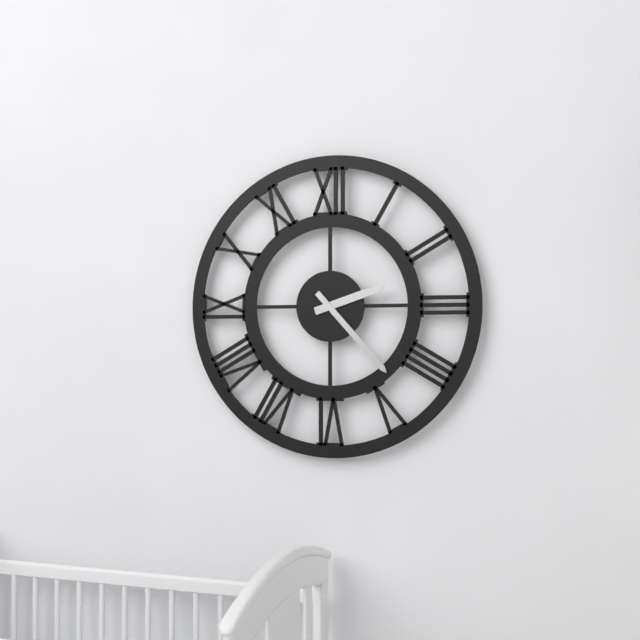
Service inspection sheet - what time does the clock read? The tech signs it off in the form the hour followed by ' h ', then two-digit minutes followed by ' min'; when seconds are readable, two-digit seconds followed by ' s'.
2 h 23 min
